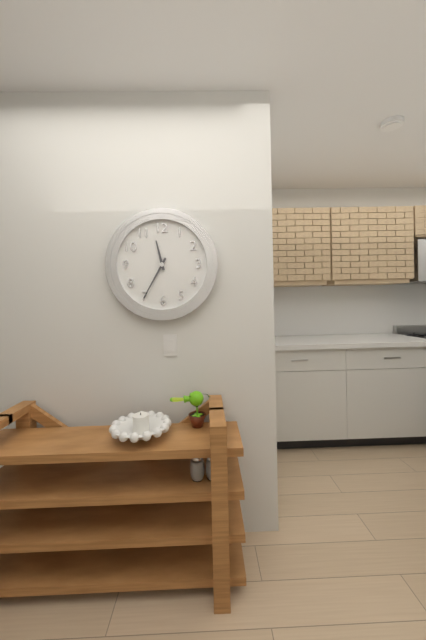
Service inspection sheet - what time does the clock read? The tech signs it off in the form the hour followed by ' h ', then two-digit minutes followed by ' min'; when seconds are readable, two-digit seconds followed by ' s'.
11 h 35 min
